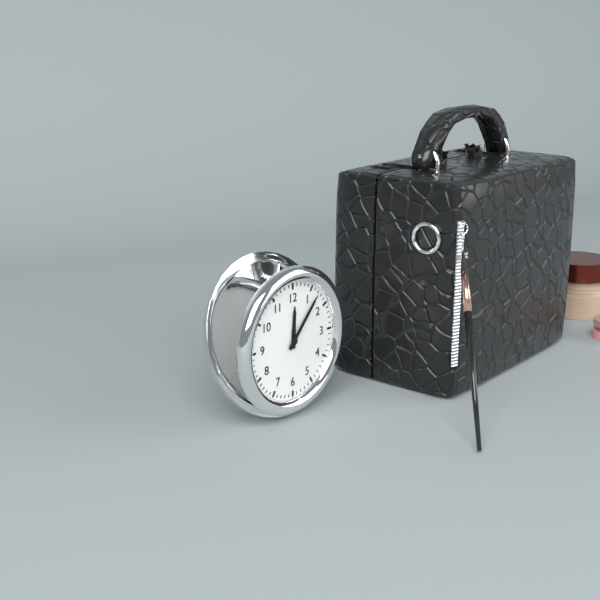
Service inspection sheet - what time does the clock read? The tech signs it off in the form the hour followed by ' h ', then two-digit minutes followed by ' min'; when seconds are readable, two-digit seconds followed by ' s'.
12 h 07 min
